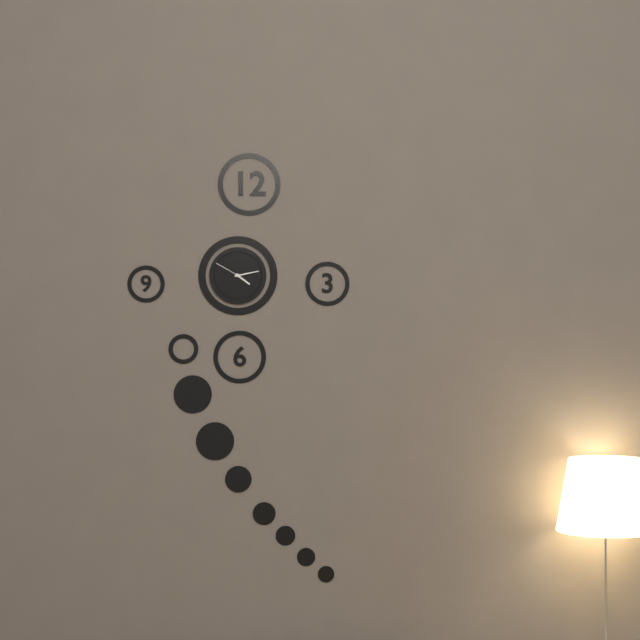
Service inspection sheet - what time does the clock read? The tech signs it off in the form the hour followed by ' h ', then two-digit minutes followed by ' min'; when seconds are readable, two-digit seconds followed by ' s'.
4 h 13 min
